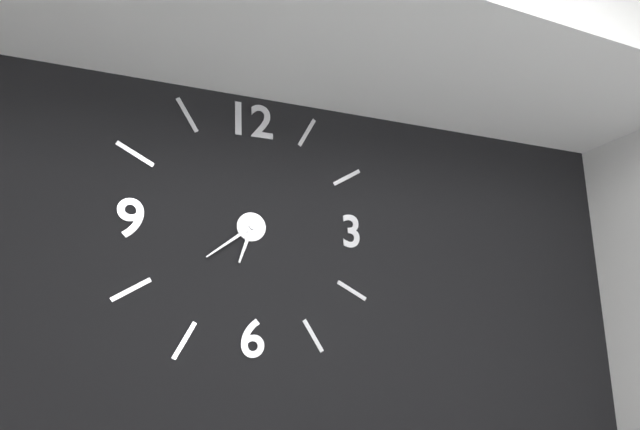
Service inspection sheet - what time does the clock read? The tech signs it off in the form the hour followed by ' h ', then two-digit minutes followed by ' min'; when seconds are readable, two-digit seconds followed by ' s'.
6 h 39 min
